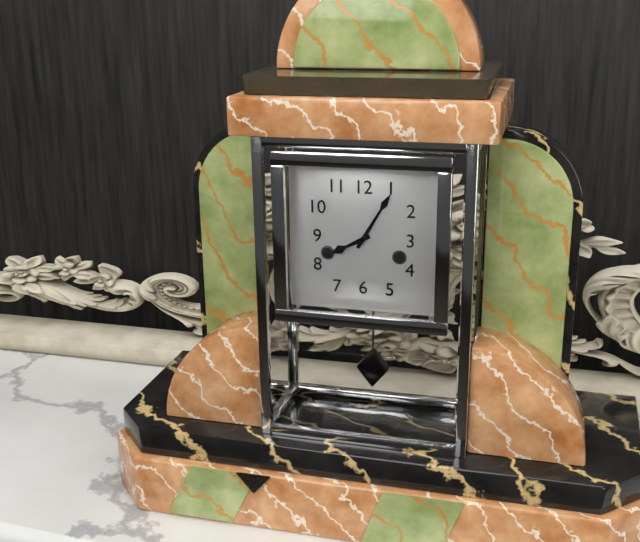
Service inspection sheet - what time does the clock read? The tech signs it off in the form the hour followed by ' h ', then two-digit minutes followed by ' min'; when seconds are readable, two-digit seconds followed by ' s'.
8 h 05 min
